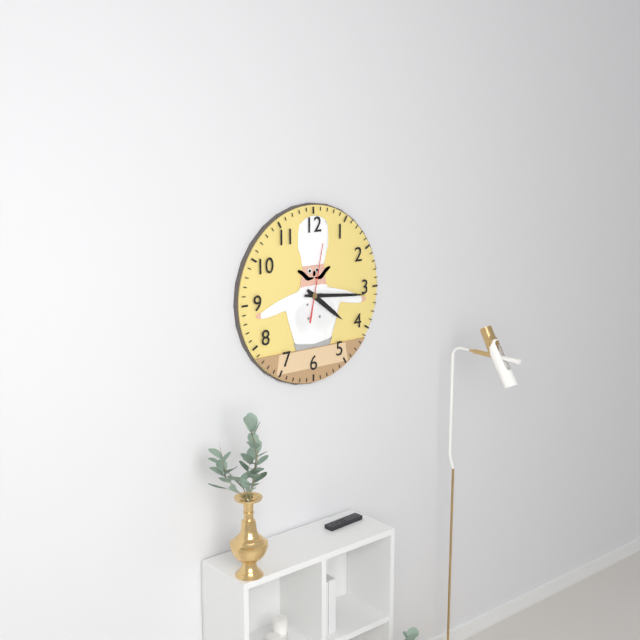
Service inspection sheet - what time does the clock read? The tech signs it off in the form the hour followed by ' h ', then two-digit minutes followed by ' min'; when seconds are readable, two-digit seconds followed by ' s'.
4 h 16 min 02 s
